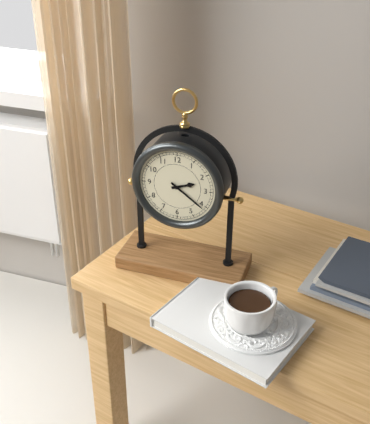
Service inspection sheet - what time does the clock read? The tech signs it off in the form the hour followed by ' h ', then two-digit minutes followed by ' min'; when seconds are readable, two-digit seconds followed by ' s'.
2 h 21 min
